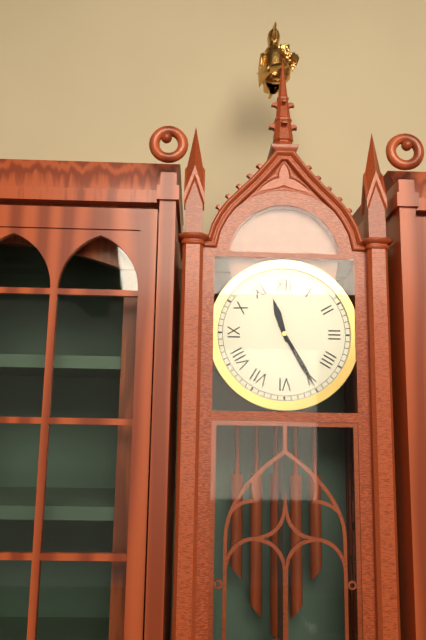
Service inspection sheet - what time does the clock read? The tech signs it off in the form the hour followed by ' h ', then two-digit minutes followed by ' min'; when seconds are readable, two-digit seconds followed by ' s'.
11 h 25 min
